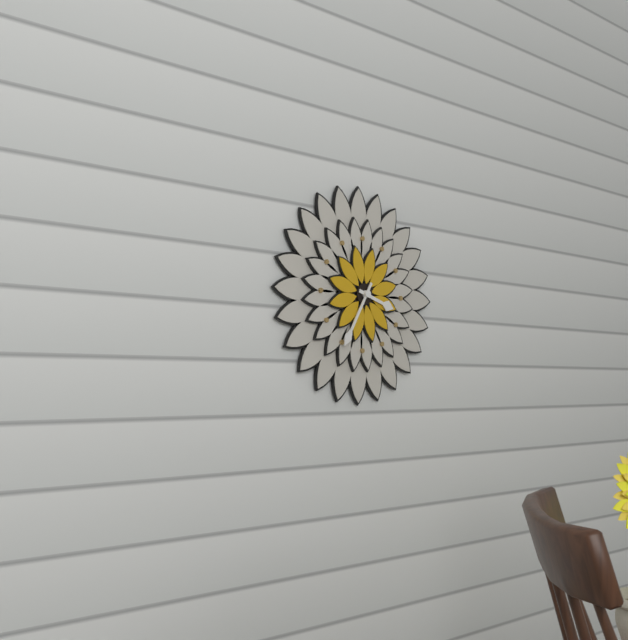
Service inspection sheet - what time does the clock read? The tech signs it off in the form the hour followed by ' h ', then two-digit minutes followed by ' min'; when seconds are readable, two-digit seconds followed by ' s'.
3 h 35 min
